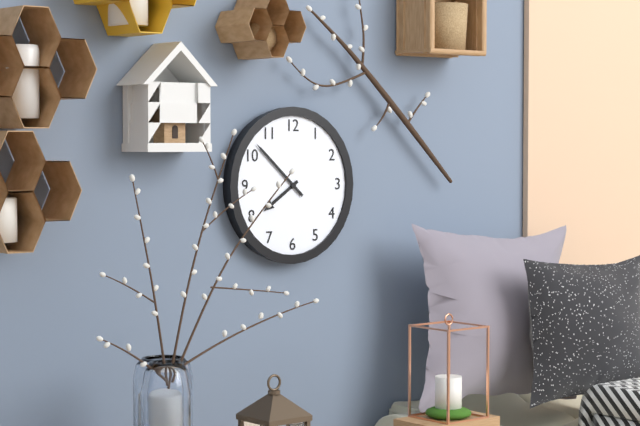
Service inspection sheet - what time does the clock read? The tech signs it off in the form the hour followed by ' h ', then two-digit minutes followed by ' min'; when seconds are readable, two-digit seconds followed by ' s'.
7 h 52 min
